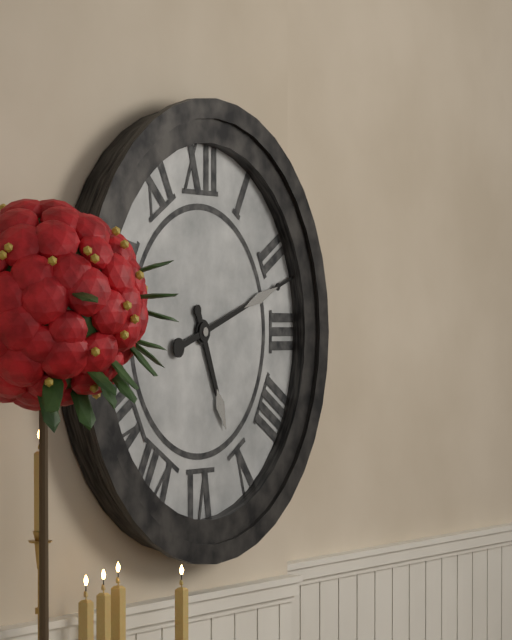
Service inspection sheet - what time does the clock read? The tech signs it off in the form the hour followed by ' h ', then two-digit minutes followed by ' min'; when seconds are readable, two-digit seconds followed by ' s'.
5 h 12 min
